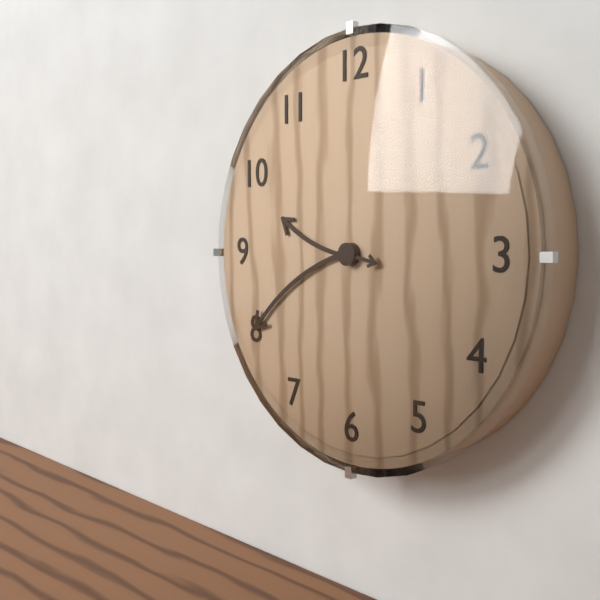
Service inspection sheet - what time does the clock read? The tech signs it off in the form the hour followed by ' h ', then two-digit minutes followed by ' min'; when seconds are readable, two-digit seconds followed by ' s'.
9 h 40 min
